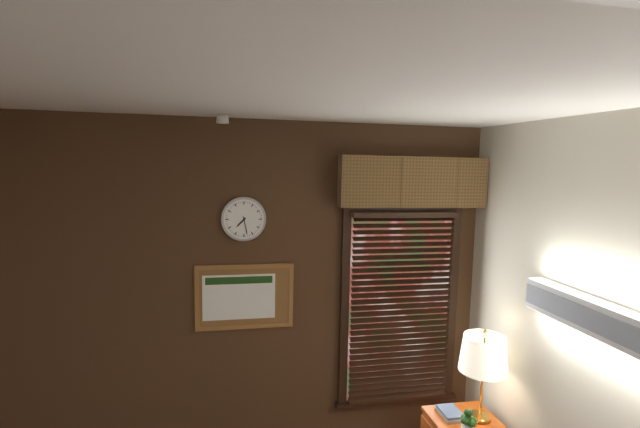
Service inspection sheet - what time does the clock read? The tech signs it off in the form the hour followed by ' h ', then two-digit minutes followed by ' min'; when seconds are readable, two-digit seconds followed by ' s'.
7 h 28 min
